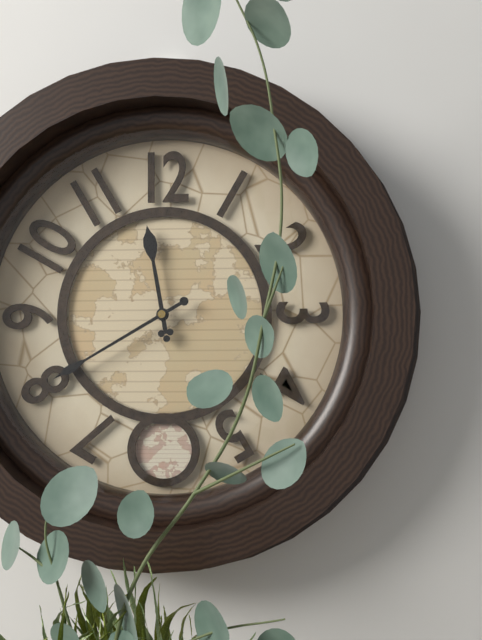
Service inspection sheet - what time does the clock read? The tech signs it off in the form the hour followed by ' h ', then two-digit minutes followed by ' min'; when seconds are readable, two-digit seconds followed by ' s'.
11 h 40 min
